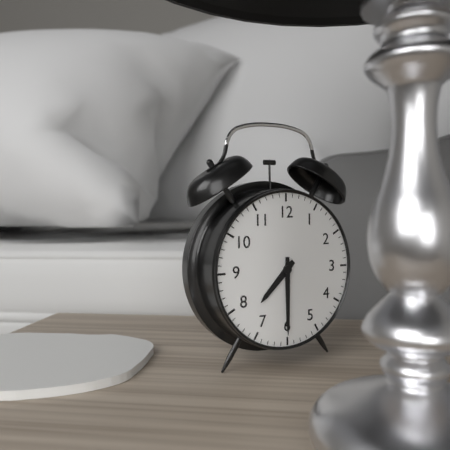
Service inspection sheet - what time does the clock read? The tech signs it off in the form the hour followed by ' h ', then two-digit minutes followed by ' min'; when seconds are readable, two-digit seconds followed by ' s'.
7 h 30 min
